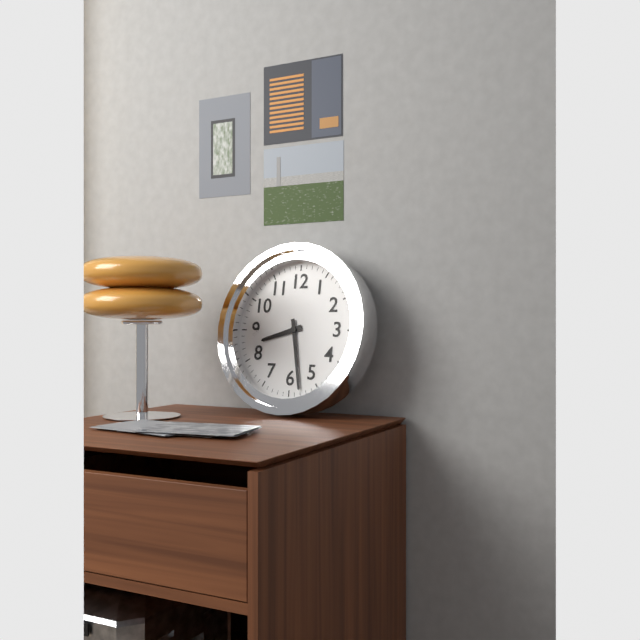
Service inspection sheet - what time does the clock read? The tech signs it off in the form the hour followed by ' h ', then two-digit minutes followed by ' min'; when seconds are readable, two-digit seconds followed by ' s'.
8 h 28 min
